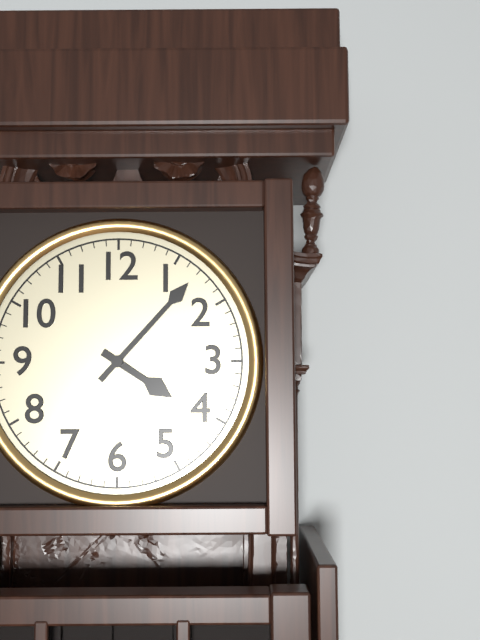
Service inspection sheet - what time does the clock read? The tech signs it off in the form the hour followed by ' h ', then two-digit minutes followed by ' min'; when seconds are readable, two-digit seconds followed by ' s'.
4 h 07 min
